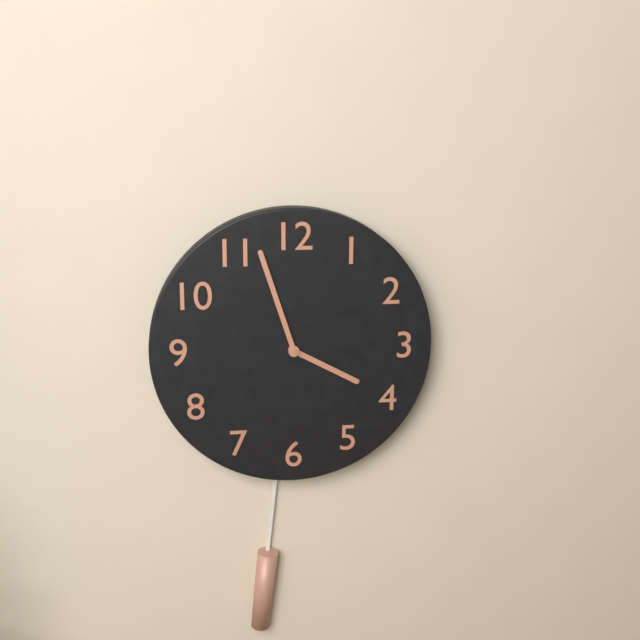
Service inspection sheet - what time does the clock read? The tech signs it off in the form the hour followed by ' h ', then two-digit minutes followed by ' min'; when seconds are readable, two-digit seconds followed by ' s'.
3 h 57 min
